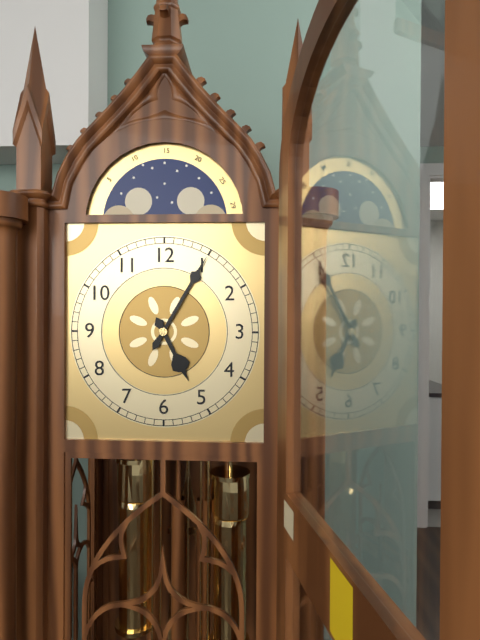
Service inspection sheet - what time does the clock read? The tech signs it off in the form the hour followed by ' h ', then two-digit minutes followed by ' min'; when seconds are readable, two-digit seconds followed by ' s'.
5 h 05 min
